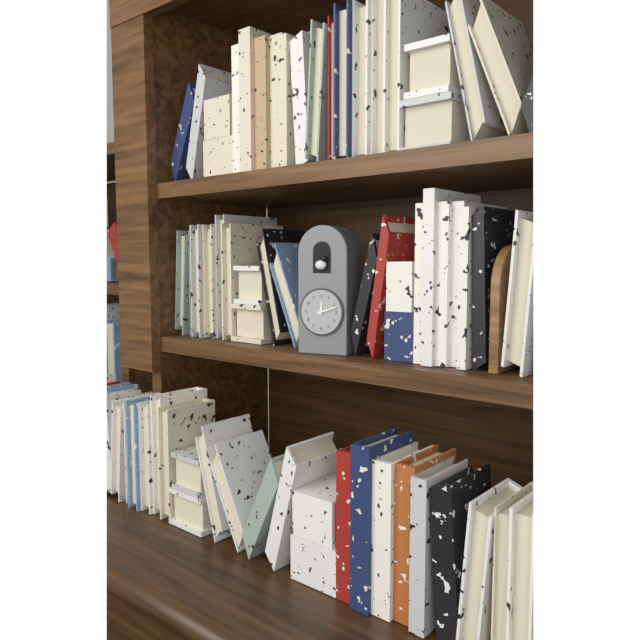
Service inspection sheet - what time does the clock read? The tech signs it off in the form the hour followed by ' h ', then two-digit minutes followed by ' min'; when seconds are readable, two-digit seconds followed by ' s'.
12 h 12 min
